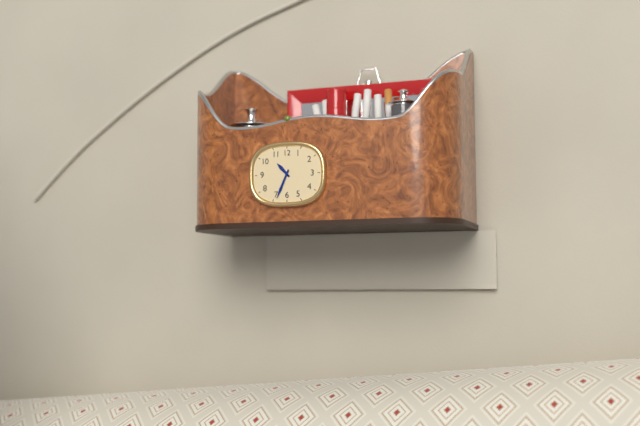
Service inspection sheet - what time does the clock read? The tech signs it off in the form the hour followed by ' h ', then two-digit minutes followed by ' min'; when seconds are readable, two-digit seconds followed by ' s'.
10 h 34 min
